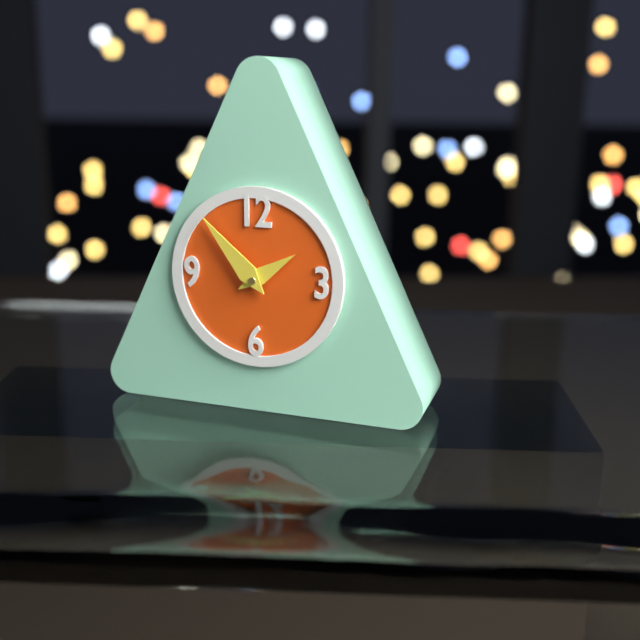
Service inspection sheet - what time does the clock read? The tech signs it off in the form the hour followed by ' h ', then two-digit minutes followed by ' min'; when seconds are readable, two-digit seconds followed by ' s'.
1 h 53 min
